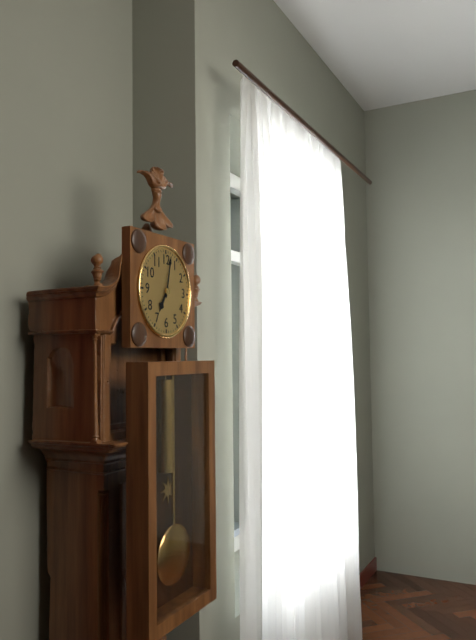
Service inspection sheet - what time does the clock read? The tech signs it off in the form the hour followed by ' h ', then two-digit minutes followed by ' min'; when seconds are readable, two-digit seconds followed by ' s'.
7 h 02 min
